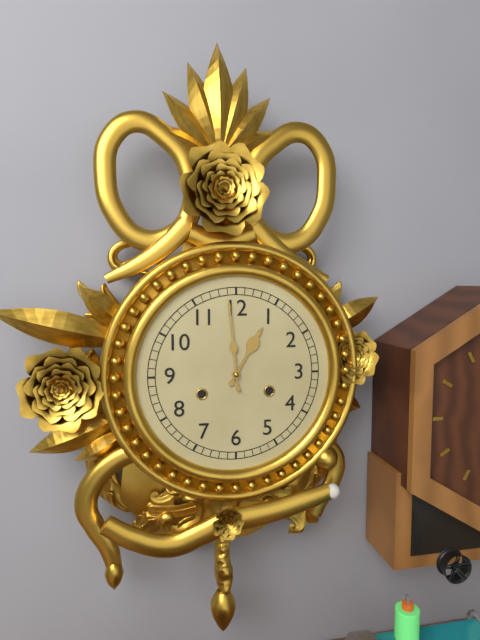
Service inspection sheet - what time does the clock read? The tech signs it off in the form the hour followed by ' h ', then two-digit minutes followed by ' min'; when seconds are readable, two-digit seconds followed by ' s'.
12 h 59 min
